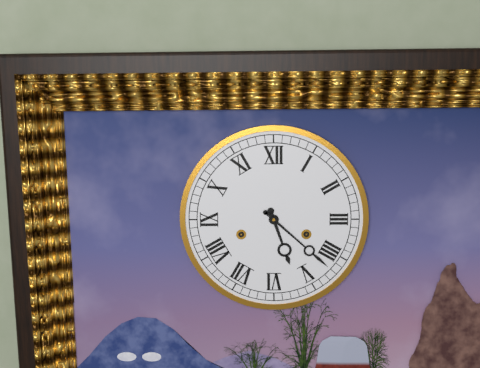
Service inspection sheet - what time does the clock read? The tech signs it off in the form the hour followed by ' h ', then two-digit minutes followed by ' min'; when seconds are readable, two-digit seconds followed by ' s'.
5 h 22 min
